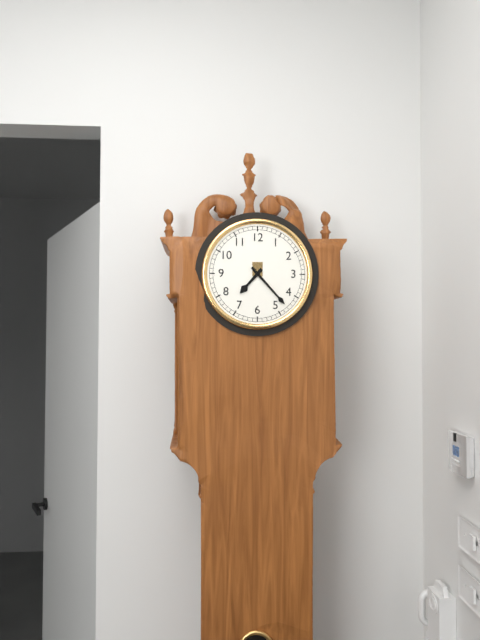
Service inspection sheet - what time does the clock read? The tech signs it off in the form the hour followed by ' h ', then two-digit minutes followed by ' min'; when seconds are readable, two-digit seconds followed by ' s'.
7 h 23 min
